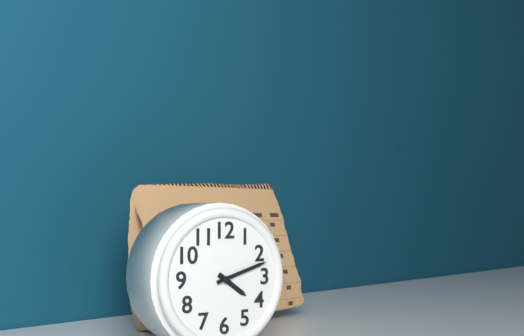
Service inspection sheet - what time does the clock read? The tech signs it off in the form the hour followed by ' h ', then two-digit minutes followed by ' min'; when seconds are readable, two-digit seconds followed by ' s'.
4 h 12 min
